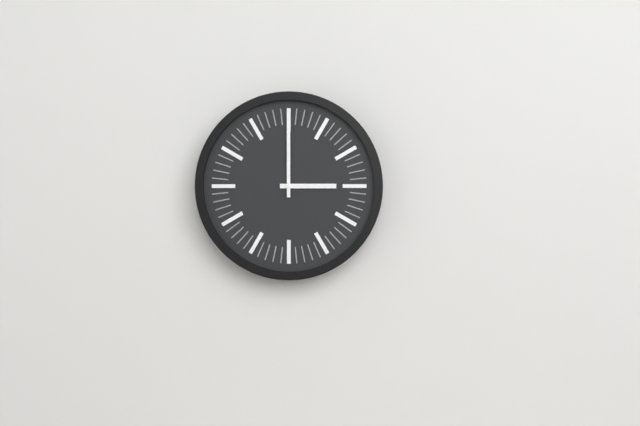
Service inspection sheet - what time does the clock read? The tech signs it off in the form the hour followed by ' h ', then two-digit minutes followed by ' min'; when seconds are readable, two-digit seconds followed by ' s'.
3 h 00 min
